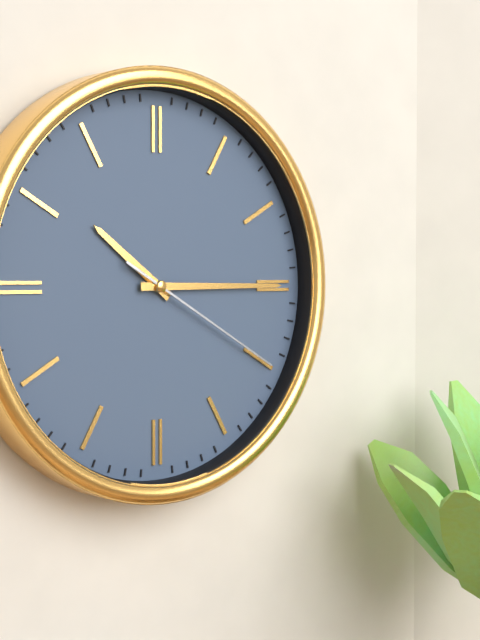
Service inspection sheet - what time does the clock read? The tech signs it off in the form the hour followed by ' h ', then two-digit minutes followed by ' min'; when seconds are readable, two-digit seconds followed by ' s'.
10 h 15 min 20 s
